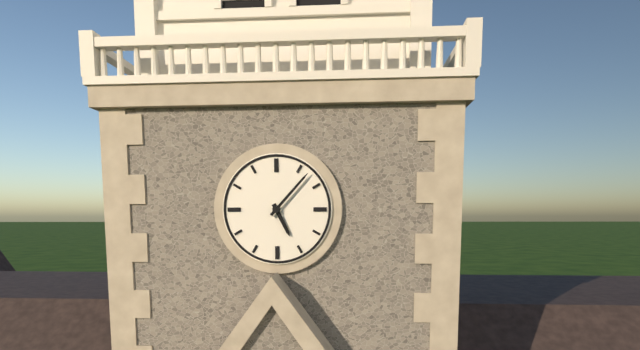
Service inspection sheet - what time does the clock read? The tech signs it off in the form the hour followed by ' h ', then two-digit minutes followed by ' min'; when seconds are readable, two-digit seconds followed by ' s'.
5 h 07 min
